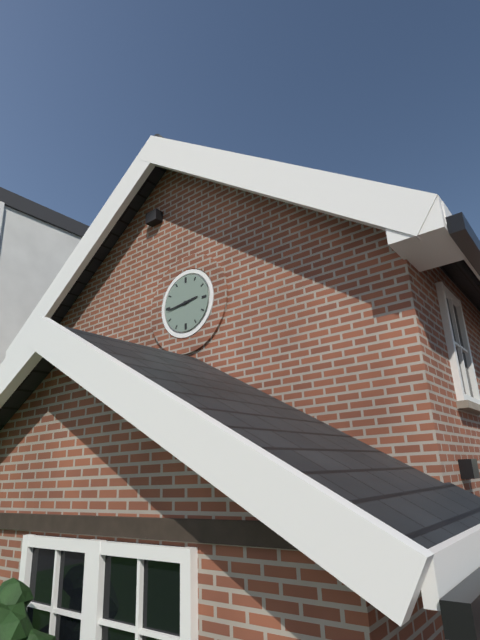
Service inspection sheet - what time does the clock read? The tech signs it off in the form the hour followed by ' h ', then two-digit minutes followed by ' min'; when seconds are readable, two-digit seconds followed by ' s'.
2 h 44 min
